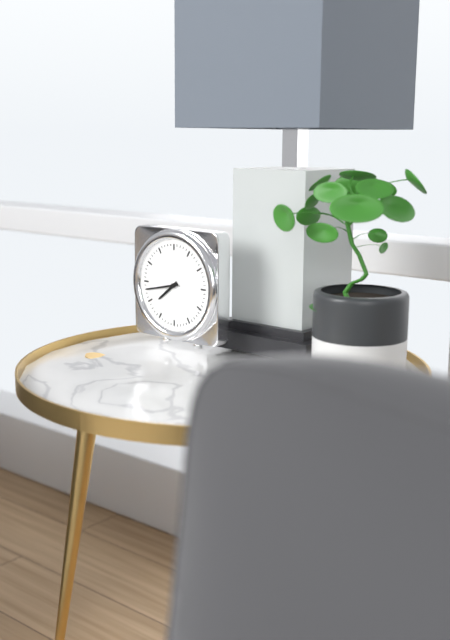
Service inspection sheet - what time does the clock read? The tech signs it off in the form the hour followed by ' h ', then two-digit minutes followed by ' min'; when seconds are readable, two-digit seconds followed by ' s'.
7 h 43 min
